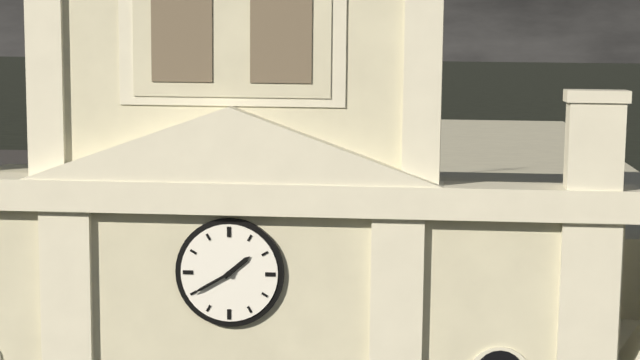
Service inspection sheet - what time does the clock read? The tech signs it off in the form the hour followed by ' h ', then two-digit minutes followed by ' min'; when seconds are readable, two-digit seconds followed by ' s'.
1 h 40 min
